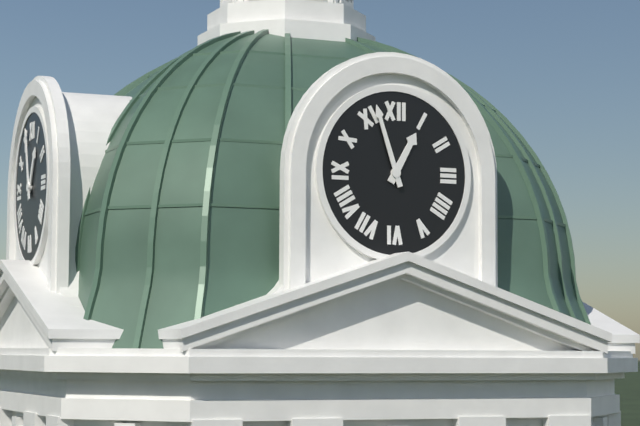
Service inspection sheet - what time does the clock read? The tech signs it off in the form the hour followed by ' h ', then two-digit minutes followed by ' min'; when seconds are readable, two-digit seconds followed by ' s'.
12 h 57 min
